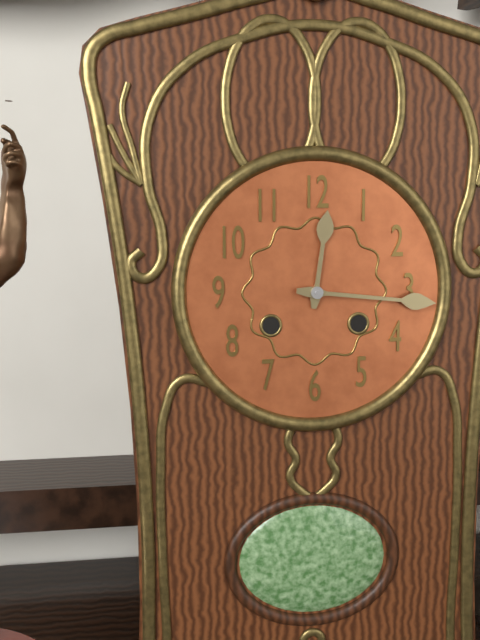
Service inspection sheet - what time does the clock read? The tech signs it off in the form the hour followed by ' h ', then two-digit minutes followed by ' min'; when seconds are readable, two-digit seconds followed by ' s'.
12 h 16 min
